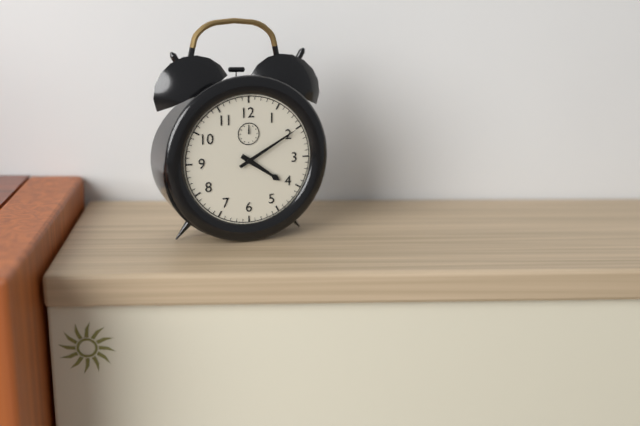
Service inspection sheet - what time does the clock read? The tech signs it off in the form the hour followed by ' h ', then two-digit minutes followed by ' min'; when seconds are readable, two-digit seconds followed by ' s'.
4 h 10 min
